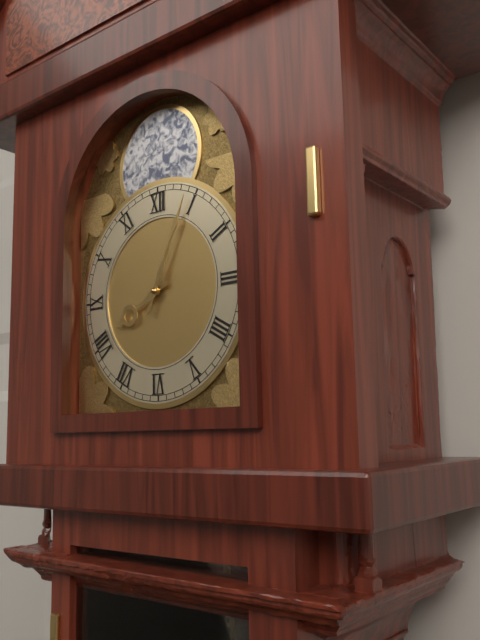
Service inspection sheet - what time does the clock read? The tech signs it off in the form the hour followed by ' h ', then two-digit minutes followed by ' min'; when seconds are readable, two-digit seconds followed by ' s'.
8 h 04 min
